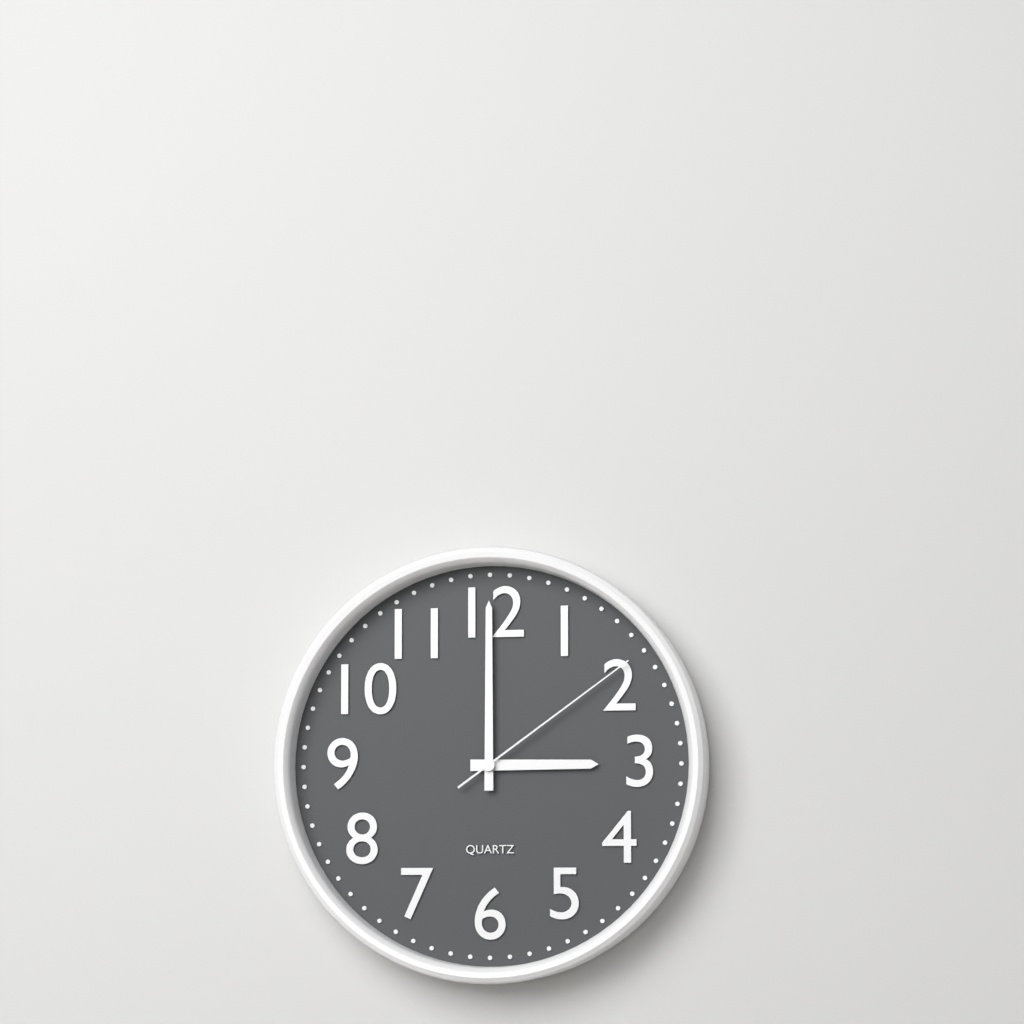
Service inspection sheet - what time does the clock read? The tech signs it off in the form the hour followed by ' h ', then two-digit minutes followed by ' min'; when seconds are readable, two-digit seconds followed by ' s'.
3 h 00 min 09 s
